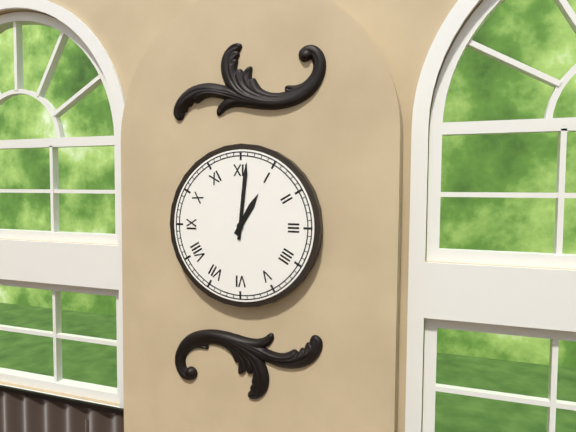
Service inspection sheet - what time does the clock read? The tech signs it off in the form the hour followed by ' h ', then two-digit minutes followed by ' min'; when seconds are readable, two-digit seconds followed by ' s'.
1 h 01 min
